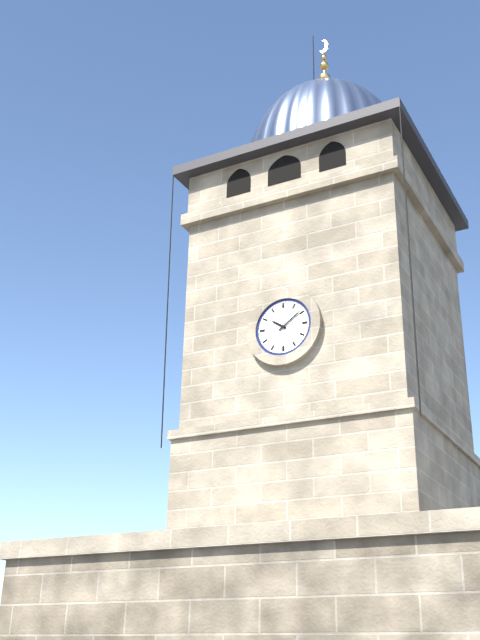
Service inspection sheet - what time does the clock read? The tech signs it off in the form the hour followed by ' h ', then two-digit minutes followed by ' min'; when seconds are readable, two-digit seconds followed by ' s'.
10 h 09 min
